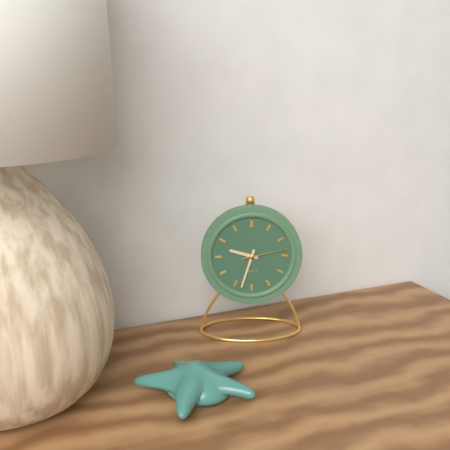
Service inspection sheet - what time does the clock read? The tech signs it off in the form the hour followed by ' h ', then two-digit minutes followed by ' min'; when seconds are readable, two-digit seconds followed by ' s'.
9 h 33 min
